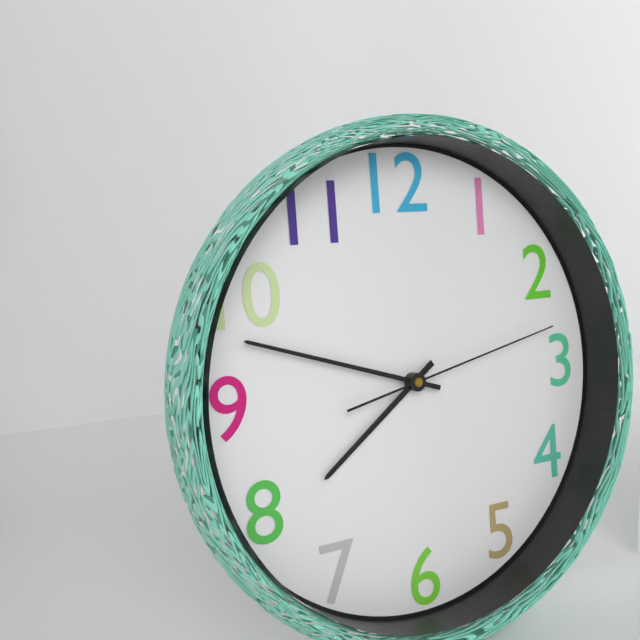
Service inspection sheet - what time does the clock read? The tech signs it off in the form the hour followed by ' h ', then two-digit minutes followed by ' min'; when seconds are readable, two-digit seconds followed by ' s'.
7 h 48 min 13 s
